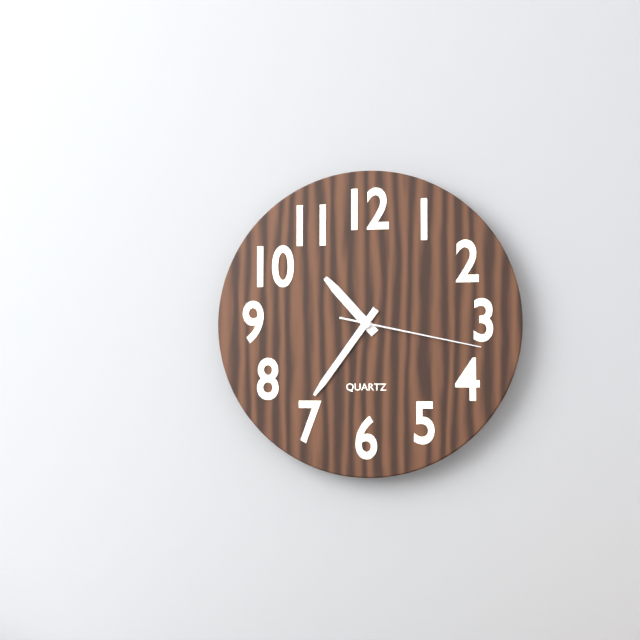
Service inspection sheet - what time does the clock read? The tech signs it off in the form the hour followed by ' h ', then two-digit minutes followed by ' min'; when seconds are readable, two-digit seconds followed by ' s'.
10 h 36 min 17 s
